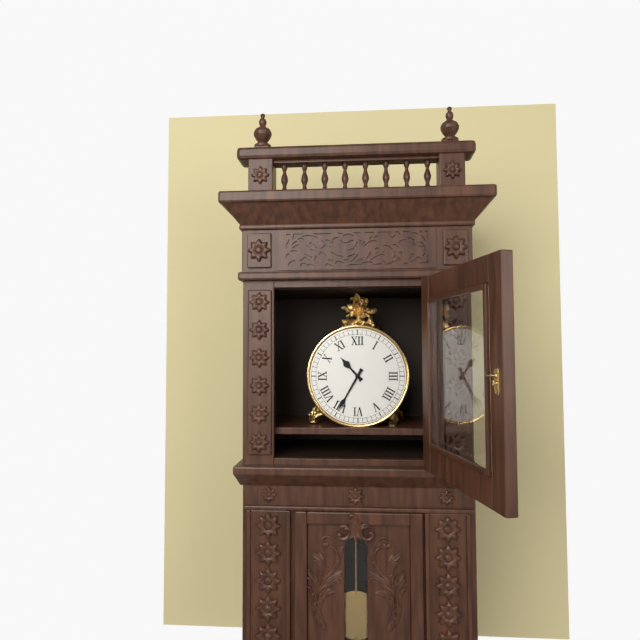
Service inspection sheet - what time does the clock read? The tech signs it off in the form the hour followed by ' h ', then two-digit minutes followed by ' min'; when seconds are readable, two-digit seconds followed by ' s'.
10 h 35 min
